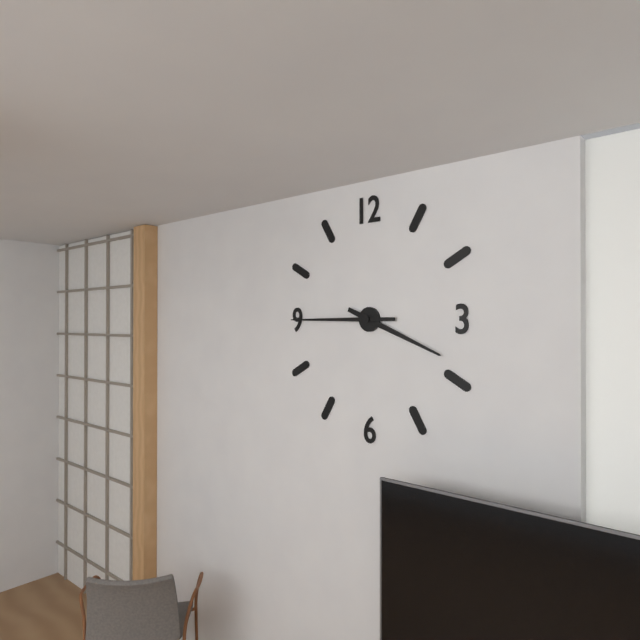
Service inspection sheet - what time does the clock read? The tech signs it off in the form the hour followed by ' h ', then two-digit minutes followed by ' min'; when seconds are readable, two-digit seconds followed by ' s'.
3 h 45 min
